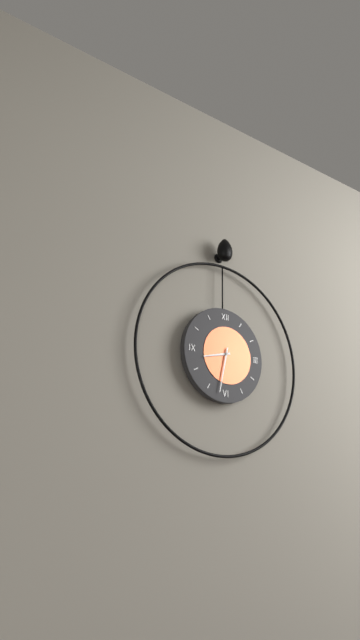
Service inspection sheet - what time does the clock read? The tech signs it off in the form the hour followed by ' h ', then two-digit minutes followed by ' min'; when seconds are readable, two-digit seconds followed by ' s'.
8 h 32 min
